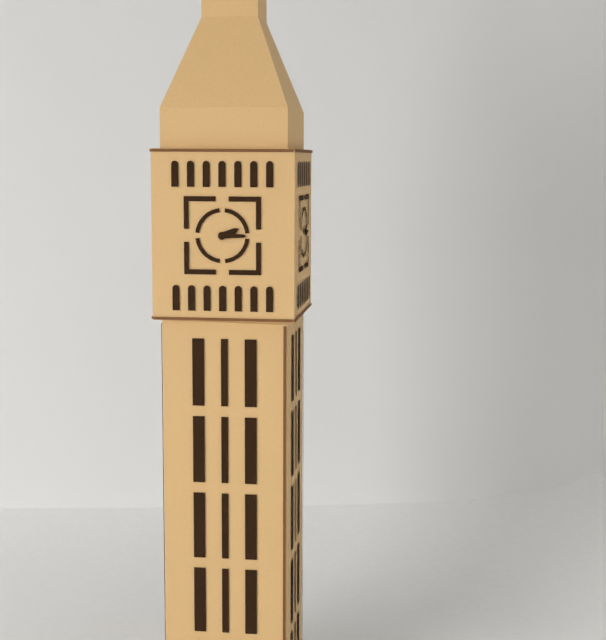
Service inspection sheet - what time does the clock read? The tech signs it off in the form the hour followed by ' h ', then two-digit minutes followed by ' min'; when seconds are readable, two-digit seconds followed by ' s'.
2 h 15 min
